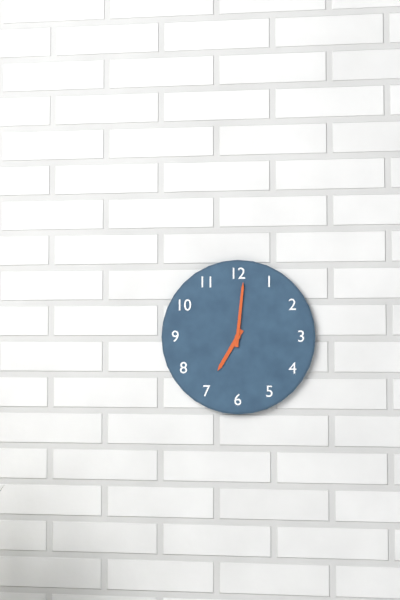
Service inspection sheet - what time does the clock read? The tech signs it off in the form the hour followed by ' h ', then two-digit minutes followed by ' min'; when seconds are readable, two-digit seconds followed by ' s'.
7 h 01 min
